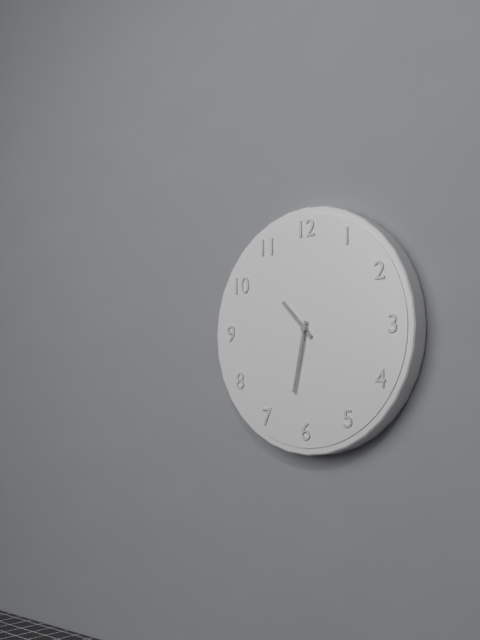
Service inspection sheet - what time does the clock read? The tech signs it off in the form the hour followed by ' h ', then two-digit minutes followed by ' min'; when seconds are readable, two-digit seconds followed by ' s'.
10 h 32 min
